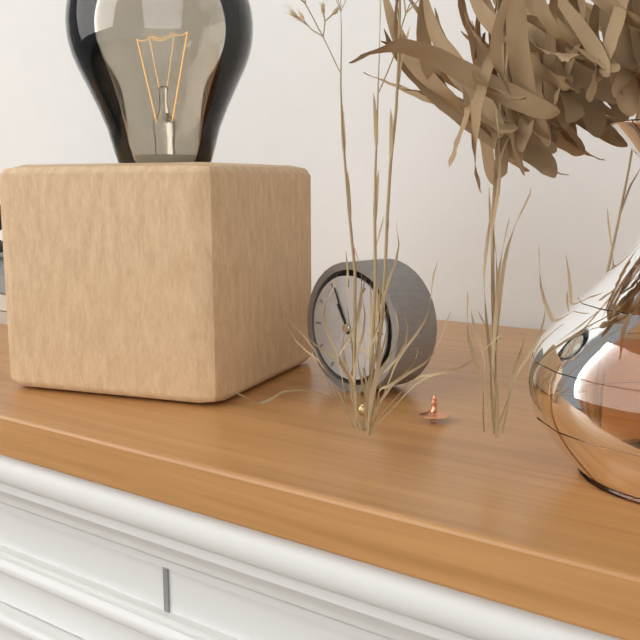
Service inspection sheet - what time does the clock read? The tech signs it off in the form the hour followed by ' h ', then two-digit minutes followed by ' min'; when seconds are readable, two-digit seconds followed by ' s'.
10 h 56 min
